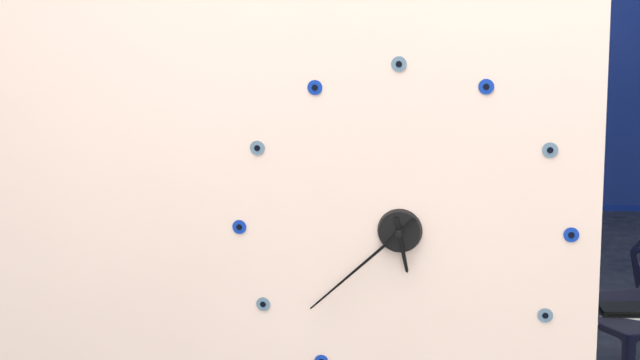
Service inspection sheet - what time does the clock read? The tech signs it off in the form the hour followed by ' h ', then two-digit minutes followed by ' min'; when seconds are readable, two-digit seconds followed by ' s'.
5 h 38 min
